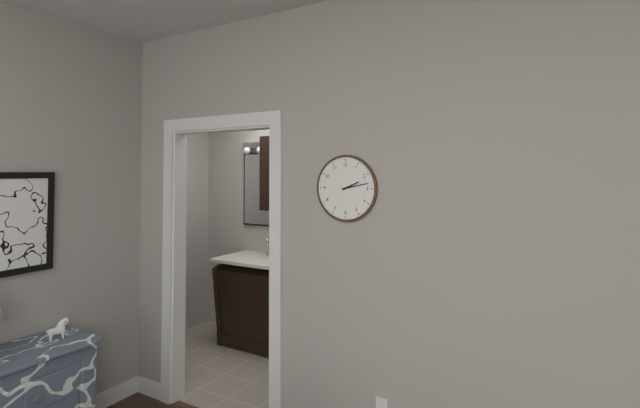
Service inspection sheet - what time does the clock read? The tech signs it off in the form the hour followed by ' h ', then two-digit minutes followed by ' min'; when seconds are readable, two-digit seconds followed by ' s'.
2 h 13 min
